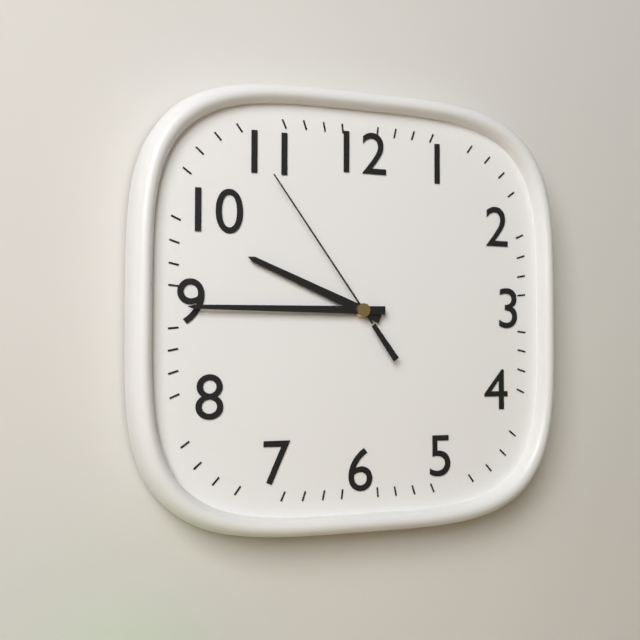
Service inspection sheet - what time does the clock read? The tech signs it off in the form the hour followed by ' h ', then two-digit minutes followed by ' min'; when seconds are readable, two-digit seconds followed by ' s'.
9 h 45 min 54 s
